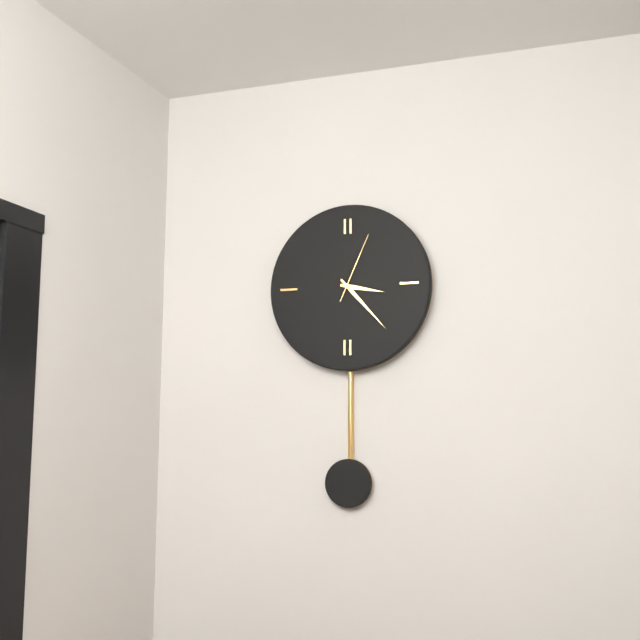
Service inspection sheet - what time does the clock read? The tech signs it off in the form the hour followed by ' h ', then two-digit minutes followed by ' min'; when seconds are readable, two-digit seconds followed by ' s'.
3 h 23 min 04 s
